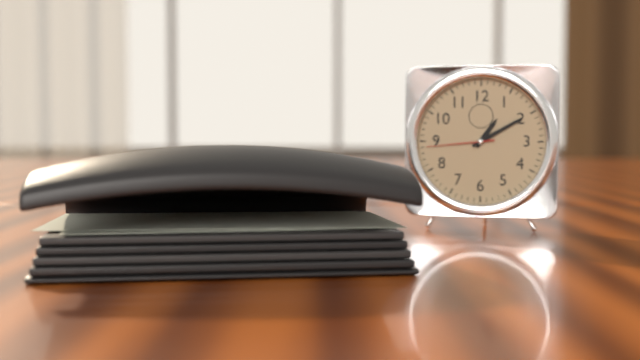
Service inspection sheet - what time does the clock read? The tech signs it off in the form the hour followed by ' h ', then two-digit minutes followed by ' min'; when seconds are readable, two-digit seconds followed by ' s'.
1 h 10 min 44 s
